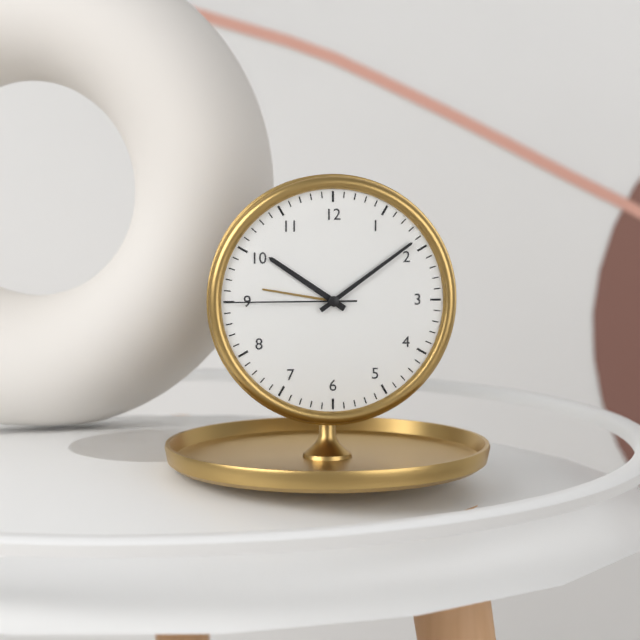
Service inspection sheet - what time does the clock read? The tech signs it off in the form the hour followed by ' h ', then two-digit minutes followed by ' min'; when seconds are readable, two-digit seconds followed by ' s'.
10 h 09 min 45 s
